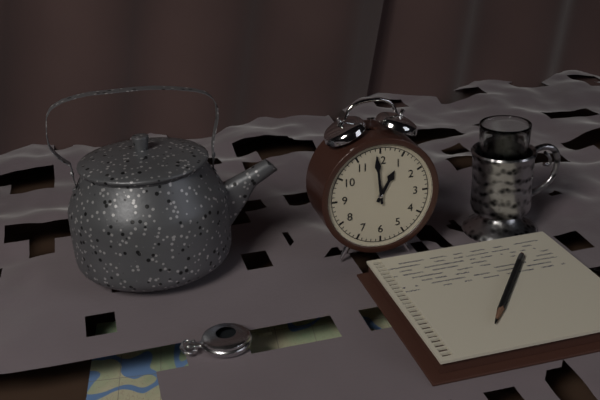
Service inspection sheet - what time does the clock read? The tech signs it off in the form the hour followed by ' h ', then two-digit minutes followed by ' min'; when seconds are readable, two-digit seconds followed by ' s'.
12 h 59 min
